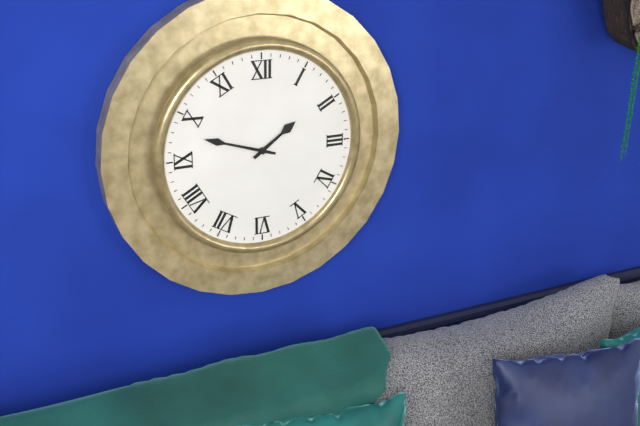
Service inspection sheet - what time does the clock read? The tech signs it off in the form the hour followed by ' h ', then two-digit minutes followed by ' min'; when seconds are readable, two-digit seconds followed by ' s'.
1 h 48 min
